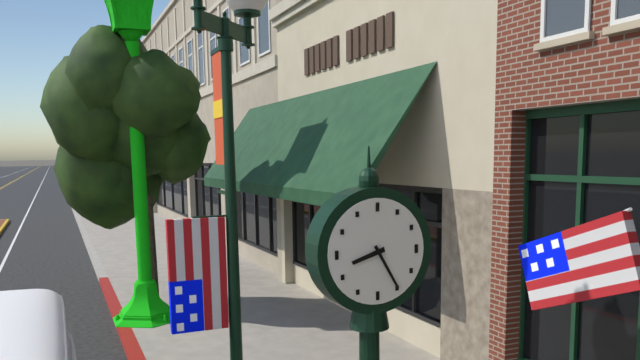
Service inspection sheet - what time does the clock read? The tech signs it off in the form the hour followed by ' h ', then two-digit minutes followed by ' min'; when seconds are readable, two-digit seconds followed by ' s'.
8 h 25 min
